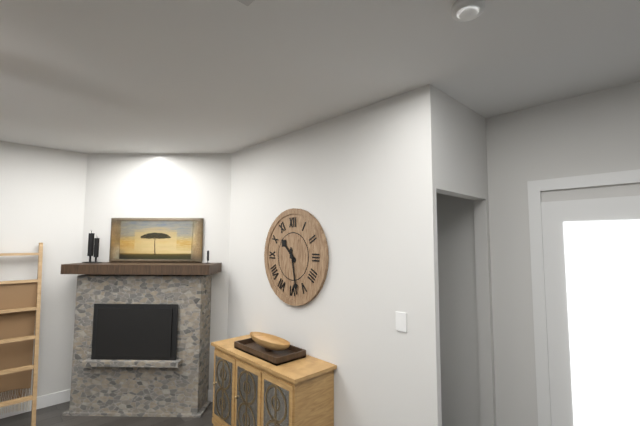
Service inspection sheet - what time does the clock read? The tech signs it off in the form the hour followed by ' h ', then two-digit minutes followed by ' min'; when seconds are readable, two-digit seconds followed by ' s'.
10 h 28 min
